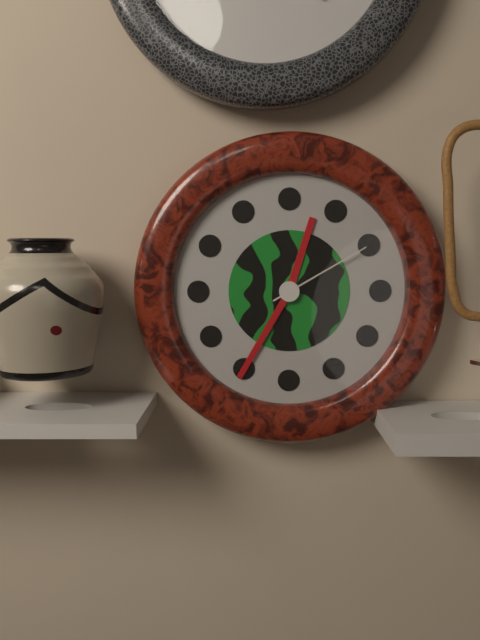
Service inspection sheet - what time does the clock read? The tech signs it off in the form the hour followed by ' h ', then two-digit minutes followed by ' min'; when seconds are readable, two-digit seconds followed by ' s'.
12 h 35 min 10 s
